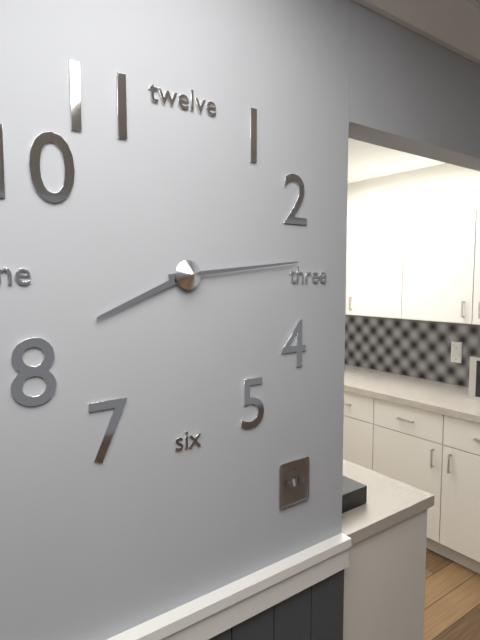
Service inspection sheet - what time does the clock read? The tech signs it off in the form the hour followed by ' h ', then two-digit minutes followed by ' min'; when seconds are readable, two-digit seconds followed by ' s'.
8 h 14 min
